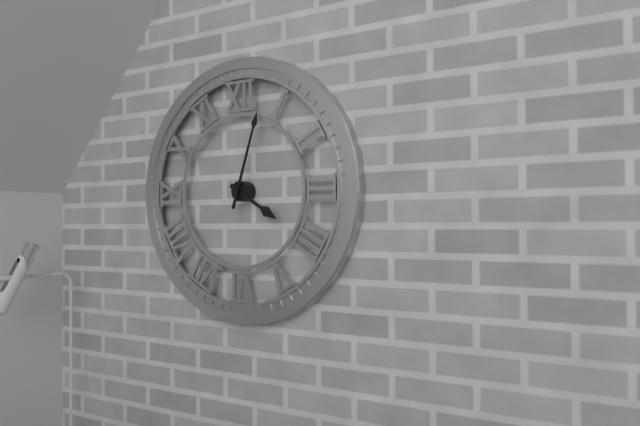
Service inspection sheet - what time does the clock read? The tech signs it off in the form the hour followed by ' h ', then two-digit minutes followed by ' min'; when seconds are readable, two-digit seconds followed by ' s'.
4 h 03 min
